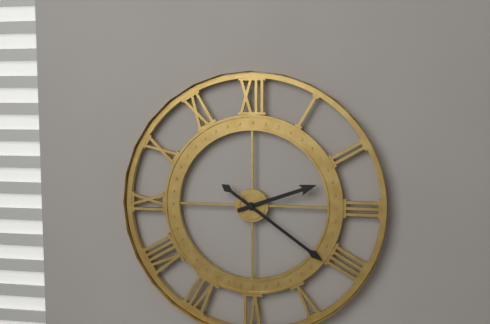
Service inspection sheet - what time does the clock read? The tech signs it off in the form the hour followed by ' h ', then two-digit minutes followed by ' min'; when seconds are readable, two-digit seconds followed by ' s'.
2 h 21 min
